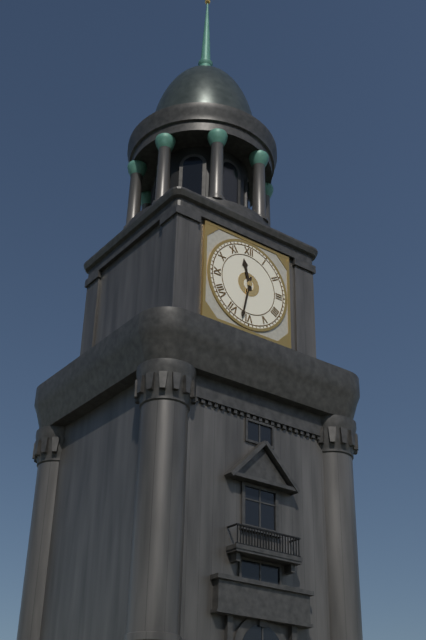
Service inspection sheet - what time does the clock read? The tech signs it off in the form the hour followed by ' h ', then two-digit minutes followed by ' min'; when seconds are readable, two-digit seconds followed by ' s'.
11 h 32 min
